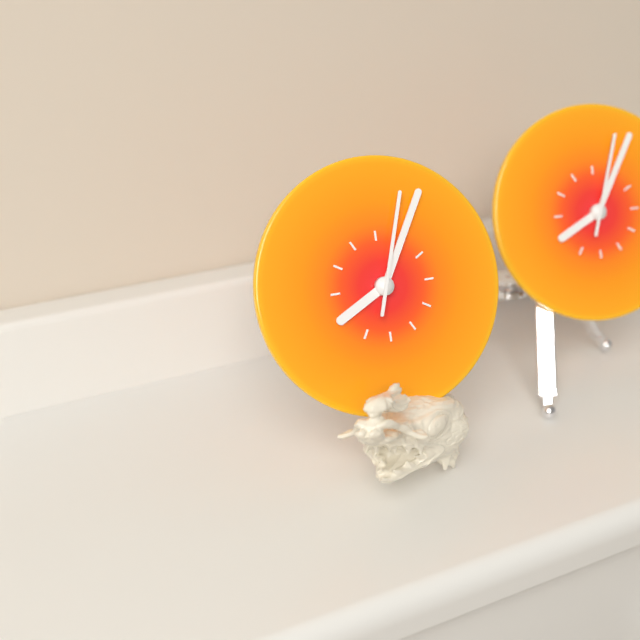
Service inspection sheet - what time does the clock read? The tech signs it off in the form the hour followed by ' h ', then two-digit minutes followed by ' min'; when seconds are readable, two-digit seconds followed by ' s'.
8 h 05 min 03 s
